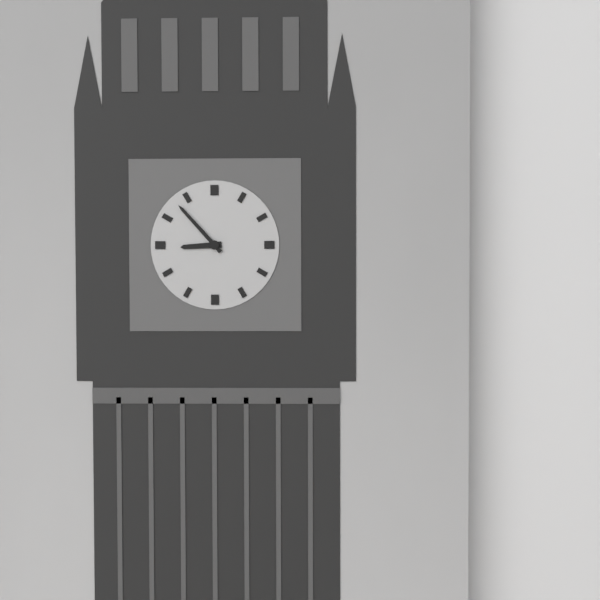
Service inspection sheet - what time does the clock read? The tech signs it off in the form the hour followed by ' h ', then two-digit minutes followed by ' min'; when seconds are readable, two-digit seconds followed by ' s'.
8 h 53 min
